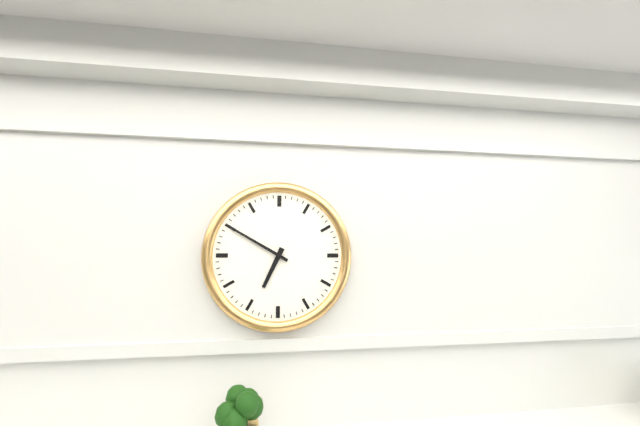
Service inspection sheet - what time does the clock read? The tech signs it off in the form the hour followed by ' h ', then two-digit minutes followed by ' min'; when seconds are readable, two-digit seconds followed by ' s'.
6 h 50 min
